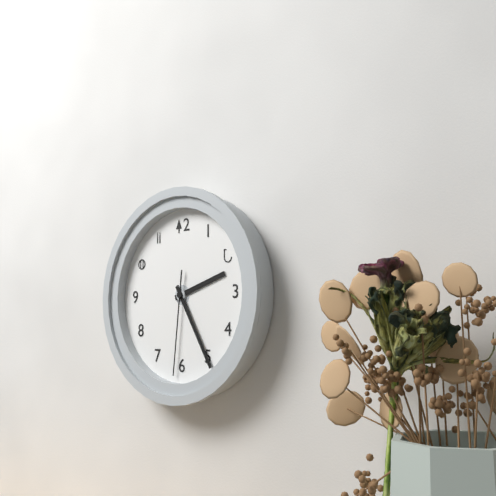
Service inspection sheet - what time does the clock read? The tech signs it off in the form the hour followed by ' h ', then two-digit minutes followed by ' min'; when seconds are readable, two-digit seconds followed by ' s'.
2 h 25 min 31 s
